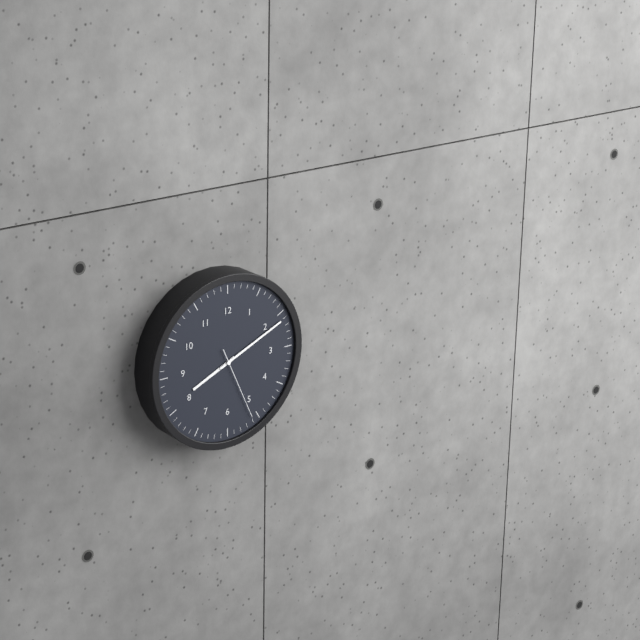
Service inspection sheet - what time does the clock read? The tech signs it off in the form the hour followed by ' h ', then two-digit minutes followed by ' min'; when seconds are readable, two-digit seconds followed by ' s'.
8 h 11 min 26 s
